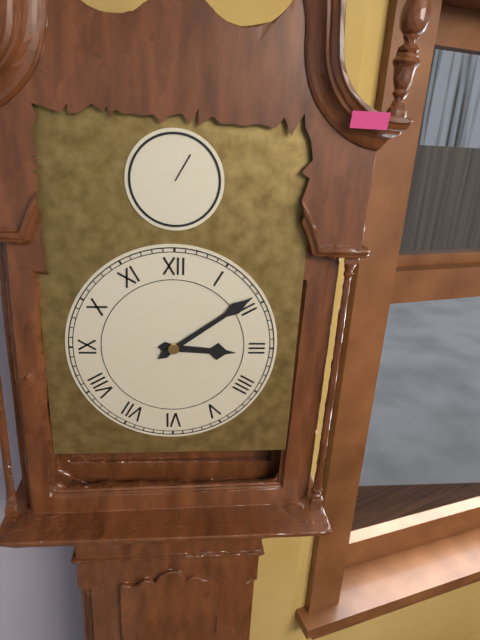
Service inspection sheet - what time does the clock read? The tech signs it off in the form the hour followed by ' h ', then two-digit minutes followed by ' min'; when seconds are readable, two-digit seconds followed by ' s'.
3 h 09 min
